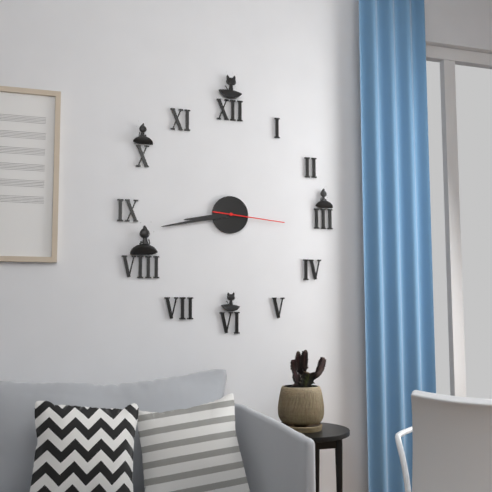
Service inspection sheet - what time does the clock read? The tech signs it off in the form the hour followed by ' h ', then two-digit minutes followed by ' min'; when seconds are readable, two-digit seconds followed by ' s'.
8 h 43 min 16 s
